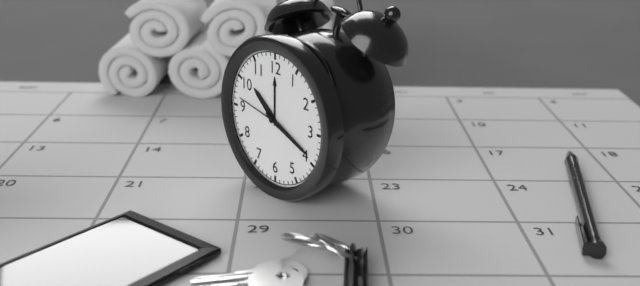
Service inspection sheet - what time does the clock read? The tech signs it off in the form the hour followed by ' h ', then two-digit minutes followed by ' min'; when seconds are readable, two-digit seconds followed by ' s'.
10 h 19 min 47 s
